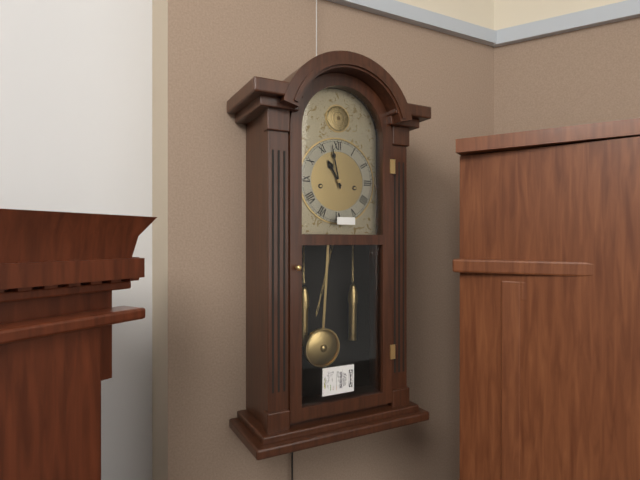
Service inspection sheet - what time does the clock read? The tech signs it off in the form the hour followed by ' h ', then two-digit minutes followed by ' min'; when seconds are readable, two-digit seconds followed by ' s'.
10 h 58 min
